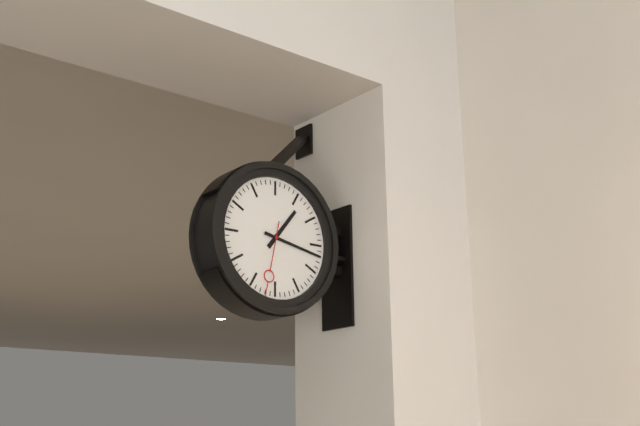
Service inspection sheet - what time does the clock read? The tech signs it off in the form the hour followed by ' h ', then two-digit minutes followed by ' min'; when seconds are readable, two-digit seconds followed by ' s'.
1 h 17 min 32 s
